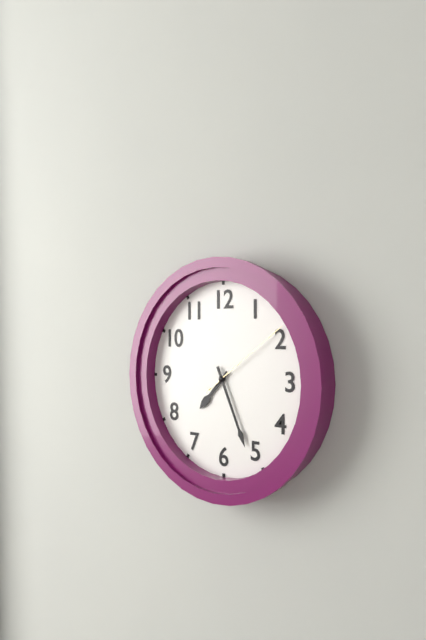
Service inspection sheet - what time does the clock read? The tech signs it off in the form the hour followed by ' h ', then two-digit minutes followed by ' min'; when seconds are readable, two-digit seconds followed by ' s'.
7 h 26 min 09 s
